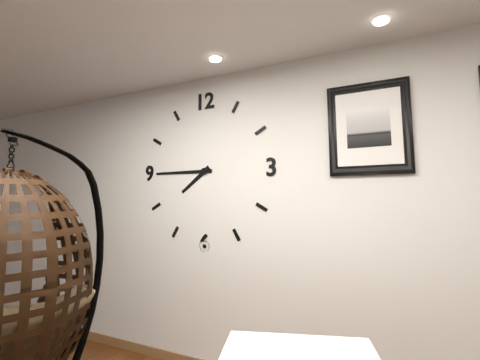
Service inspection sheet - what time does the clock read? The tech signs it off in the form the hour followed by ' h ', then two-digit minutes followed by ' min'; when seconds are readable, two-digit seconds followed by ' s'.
7 h 45 min
